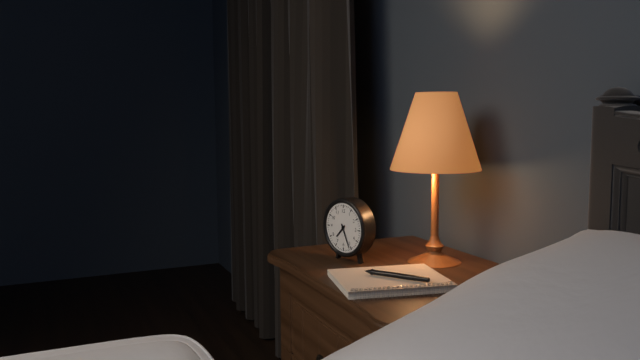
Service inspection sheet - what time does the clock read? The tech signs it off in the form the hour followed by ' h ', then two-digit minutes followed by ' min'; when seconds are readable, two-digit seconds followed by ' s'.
7 h 26 min
